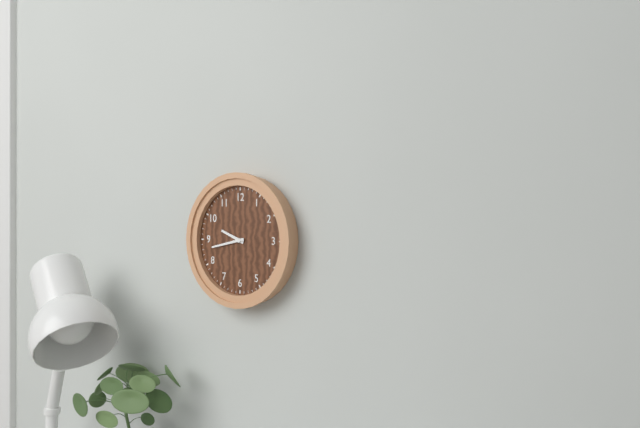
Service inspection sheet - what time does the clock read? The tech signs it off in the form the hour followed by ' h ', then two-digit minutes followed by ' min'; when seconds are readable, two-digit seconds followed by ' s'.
9 h 43 min
